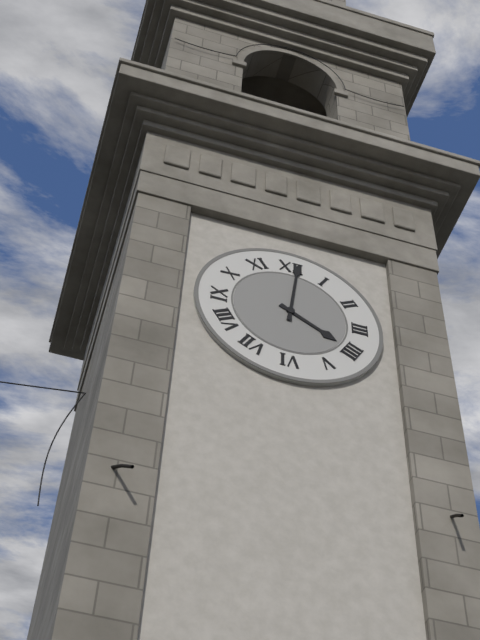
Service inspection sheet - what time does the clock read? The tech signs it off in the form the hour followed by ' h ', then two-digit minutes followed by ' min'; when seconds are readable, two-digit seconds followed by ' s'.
4 h 01 min
